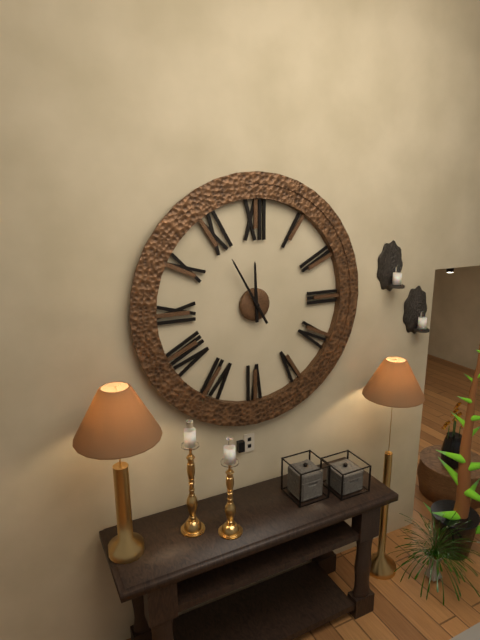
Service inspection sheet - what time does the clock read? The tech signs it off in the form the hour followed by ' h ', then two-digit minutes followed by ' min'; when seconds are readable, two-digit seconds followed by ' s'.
11 h 55 min
